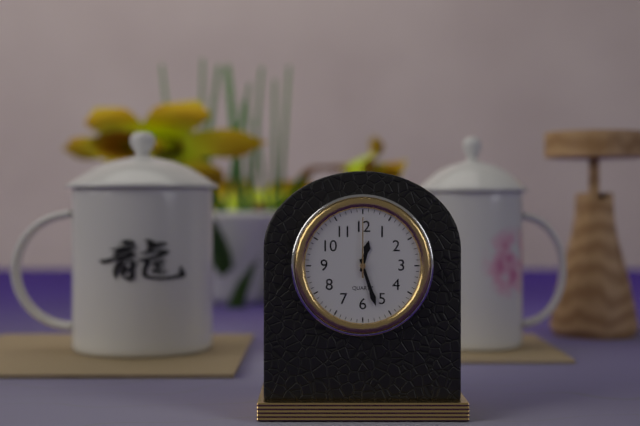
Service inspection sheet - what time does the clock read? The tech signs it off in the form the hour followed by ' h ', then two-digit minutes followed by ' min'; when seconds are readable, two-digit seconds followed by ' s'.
12 h 27 min 00 s
